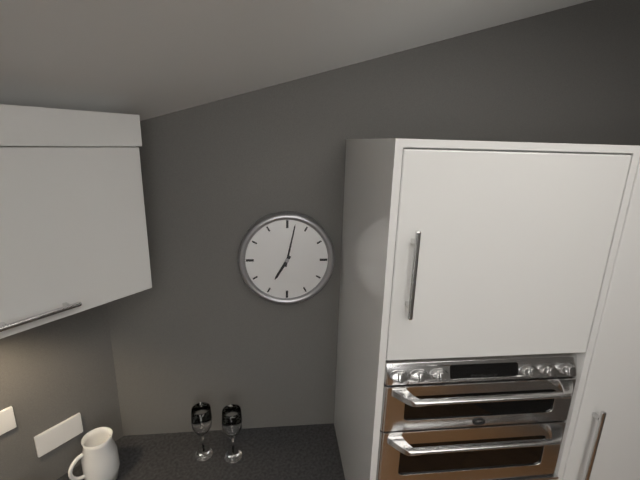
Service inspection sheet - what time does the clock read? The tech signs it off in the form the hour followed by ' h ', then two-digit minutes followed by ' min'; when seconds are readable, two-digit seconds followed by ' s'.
7 h 02 min
